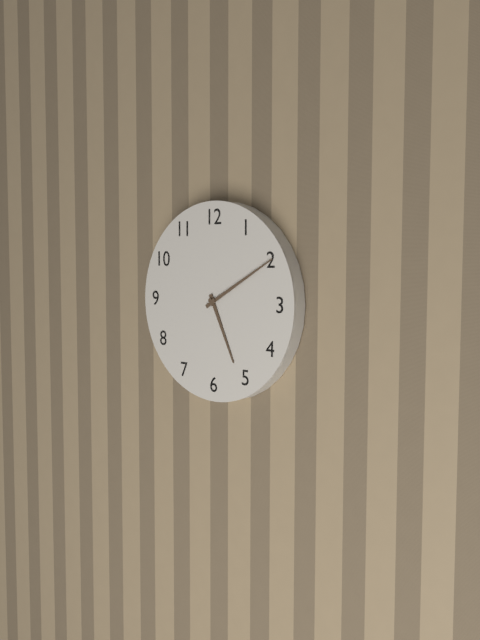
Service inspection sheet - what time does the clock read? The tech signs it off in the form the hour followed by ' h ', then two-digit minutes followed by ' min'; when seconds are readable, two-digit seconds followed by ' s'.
5 h 10 min
